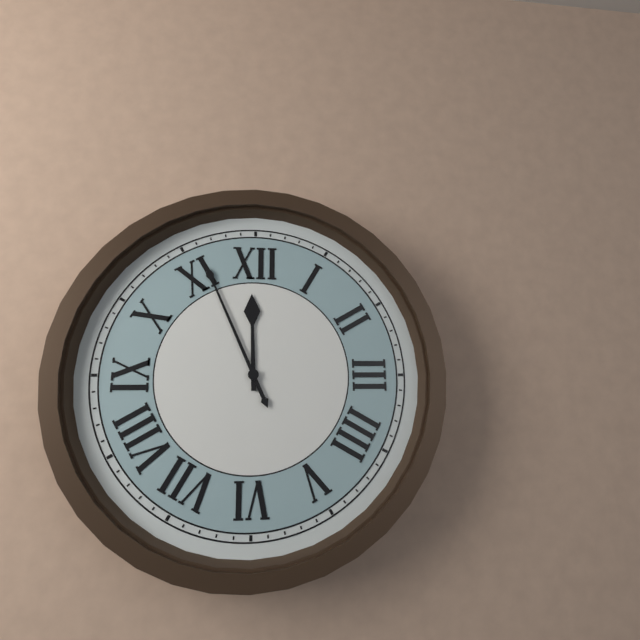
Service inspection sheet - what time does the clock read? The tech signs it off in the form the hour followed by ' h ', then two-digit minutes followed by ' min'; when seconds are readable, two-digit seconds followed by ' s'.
11 h 56 min
